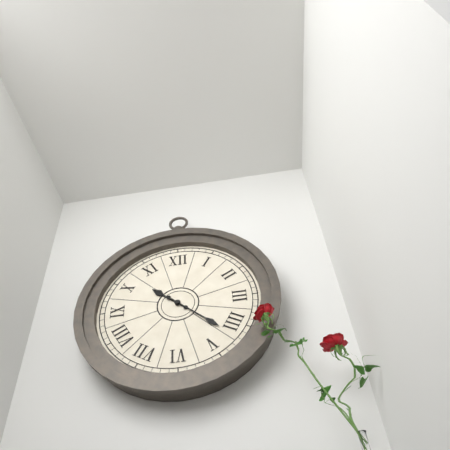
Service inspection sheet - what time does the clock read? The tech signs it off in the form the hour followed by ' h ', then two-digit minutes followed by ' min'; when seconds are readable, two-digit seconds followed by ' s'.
10 h 22 min
